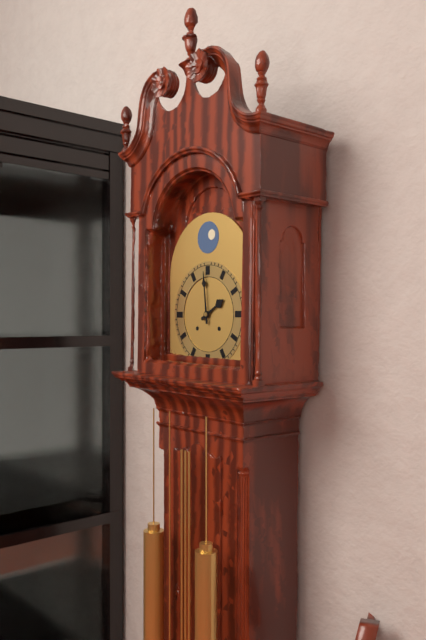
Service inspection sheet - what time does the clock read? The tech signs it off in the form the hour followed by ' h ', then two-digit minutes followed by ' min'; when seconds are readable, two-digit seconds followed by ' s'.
1 h 59 min
